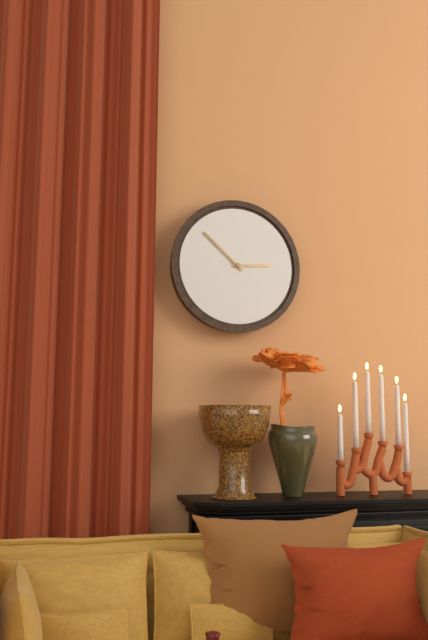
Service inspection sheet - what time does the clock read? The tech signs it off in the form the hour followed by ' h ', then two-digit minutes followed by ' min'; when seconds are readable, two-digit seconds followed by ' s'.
2 h 52 min
